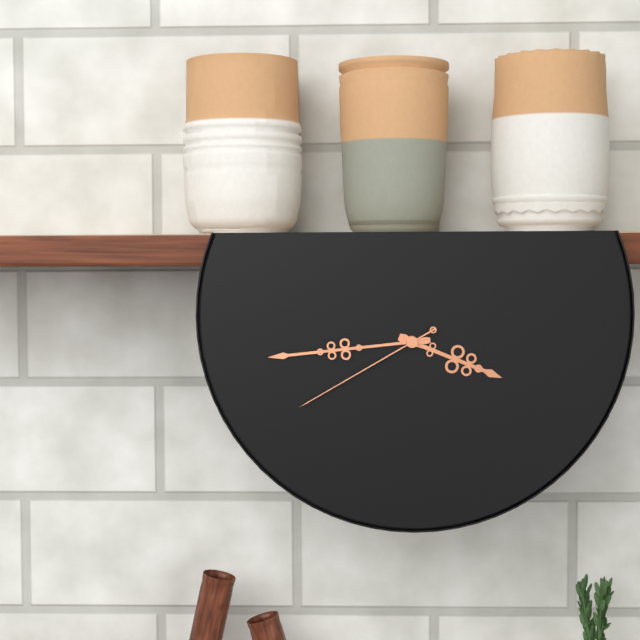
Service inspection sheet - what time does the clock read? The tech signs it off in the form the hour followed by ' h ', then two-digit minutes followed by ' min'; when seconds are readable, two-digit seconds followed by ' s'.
3 h 44 min 40 s
